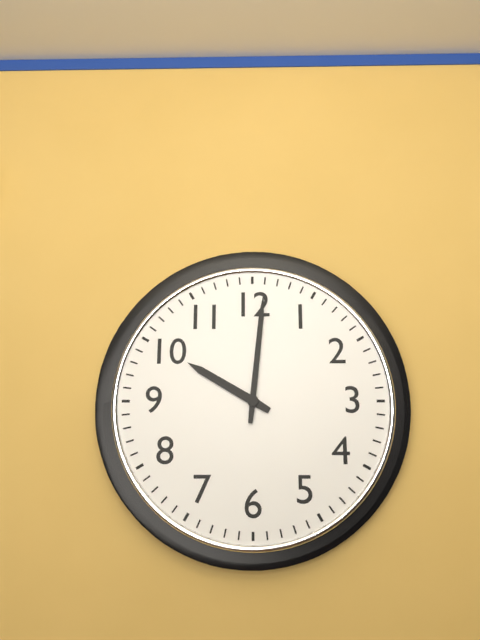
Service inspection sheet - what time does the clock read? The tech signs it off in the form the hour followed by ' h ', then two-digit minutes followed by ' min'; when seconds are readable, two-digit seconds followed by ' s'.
10 h 01 min
